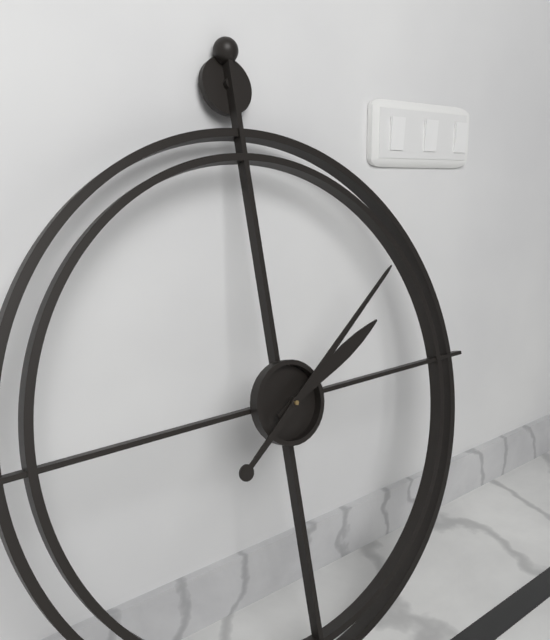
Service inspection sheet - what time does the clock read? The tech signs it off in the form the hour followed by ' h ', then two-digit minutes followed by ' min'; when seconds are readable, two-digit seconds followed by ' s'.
2 h 09 min
